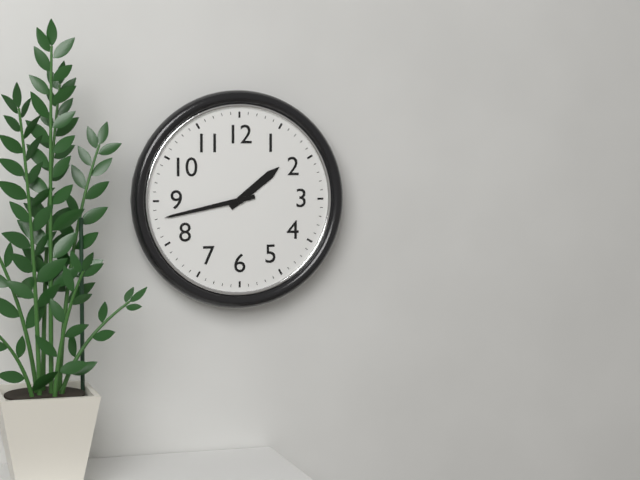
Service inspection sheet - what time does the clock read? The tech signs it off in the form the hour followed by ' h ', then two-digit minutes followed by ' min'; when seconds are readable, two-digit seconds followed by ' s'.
1 h 43 min
